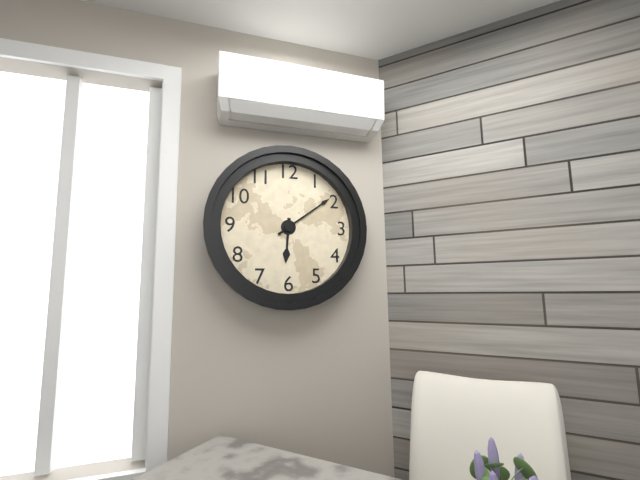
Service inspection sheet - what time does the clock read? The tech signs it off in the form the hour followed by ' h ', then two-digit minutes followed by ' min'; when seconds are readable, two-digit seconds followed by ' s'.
6 h 09 min
